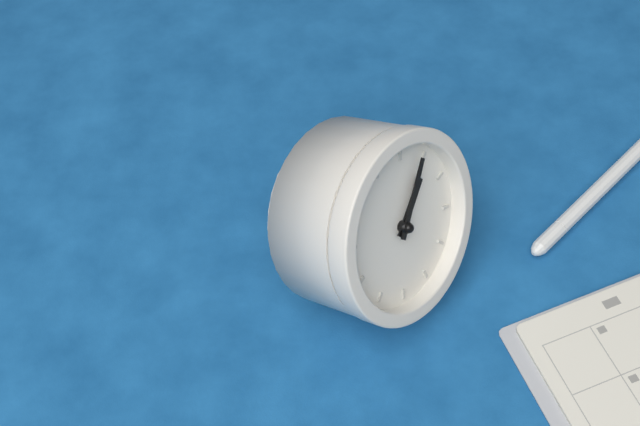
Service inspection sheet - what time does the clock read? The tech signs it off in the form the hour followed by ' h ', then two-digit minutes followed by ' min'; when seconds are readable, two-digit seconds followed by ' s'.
1 h 04 min
